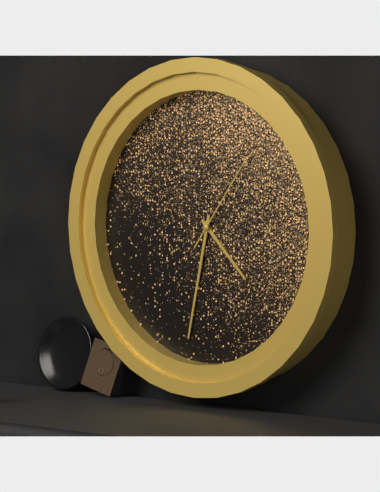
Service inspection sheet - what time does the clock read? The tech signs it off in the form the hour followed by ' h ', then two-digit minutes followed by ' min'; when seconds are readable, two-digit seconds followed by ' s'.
4 h 32 min 06 s
